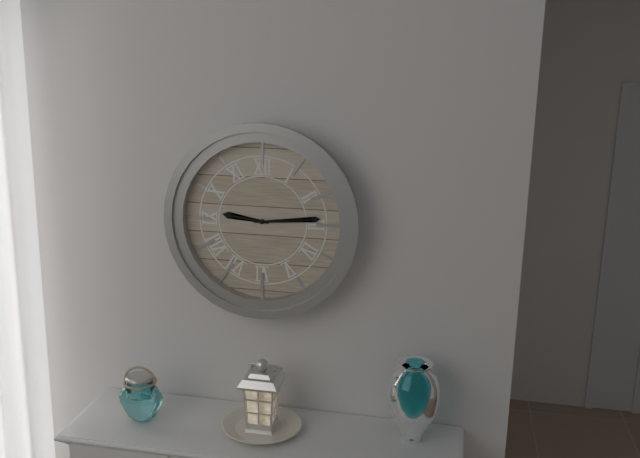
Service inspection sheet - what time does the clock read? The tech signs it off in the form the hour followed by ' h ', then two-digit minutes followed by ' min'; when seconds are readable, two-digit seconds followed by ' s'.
9 h 14 min
